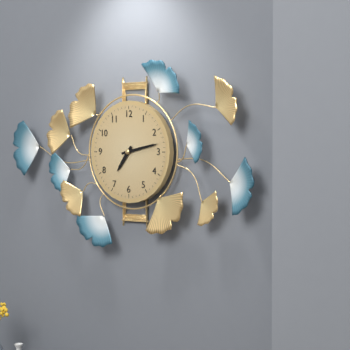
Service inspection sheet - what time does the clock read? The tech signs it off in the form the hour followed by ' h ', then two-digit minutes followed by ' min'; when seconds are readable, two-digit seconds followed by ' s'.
7 h 13 min
